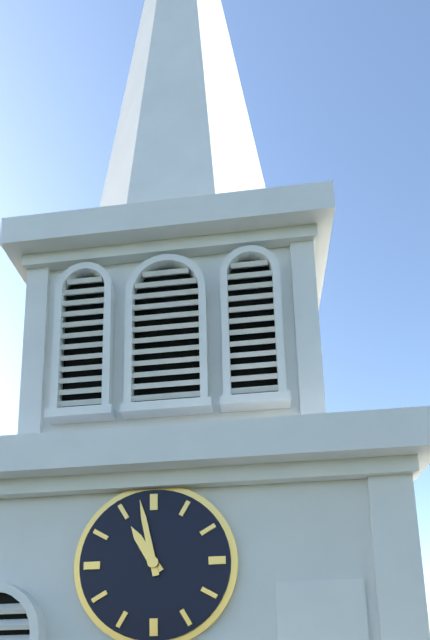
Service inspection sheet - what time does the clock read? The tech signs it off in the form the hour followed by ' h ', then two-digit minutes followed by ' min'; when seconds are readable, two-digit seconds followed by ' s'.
10 h 58 min
